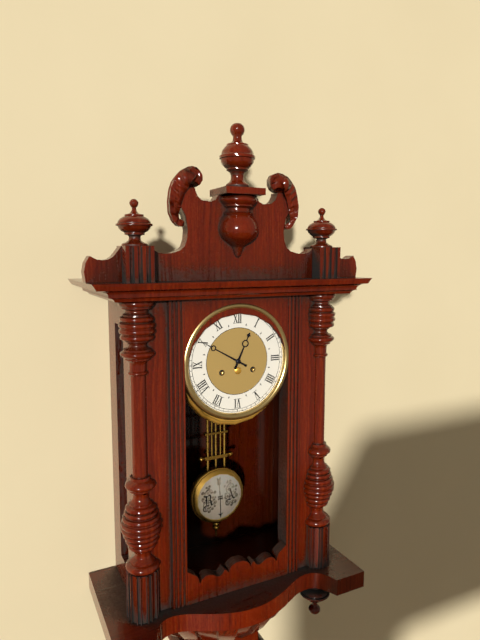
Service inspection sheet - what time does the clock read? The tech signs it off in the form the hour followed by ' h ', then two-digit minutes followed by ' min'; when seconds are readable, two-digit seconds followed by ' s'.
12 h 50 min
